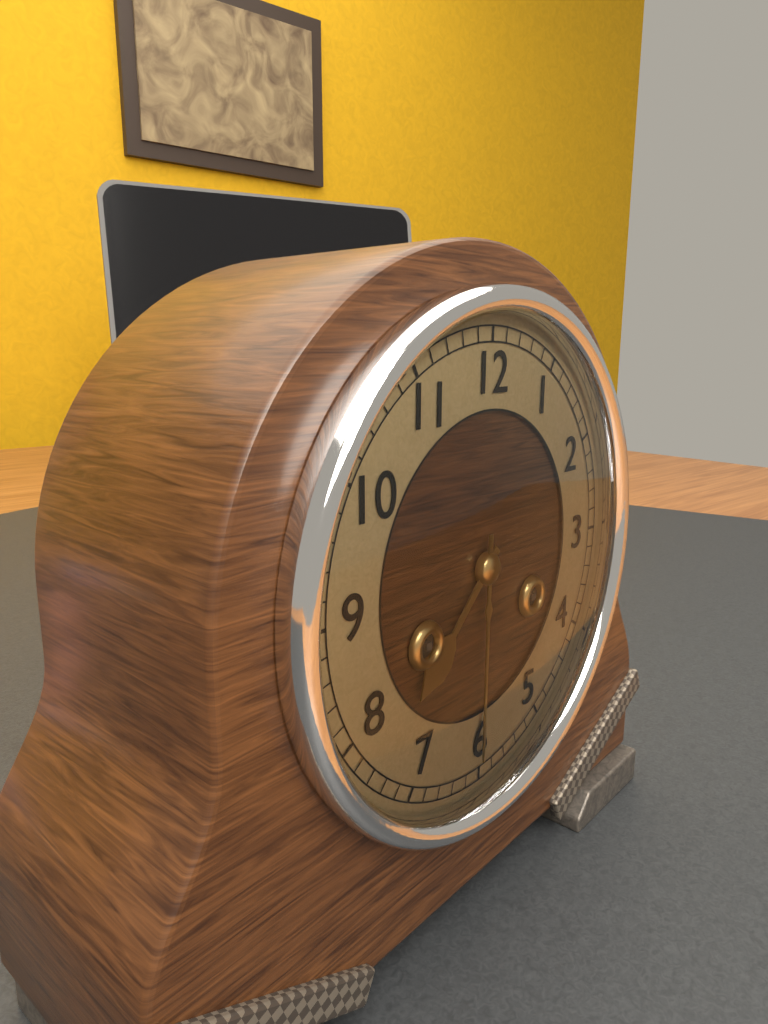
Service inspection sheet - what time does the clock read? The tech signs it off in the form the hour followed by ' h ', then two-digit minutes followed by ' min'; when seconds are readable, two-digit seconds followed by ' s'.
7 h 30 min
